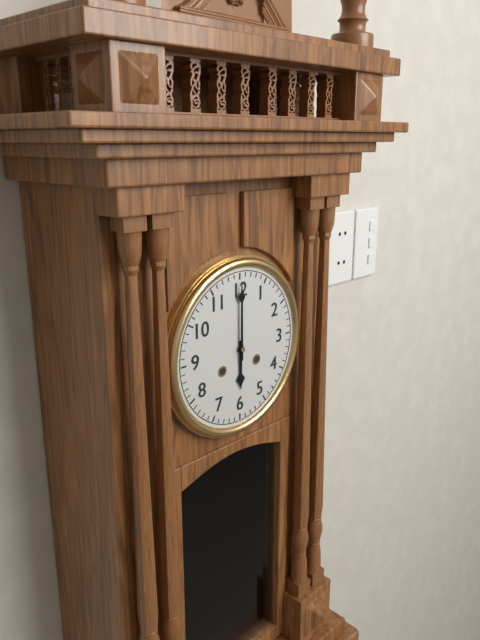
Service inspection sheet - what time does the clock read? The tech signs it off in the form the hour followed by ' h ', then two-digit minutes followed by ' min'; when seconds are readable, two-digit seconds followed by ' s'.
6 h 00 min
